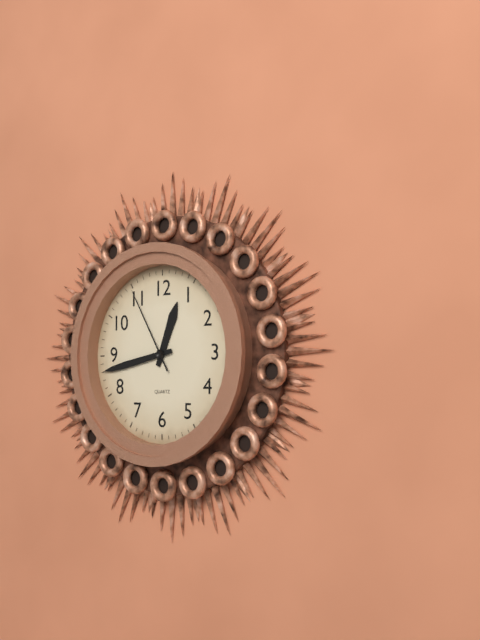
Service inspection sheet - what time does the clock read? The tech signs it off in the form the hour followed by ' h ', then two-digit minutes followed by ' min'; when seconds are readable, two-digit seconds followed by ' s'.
12 h 43 min 55 s
